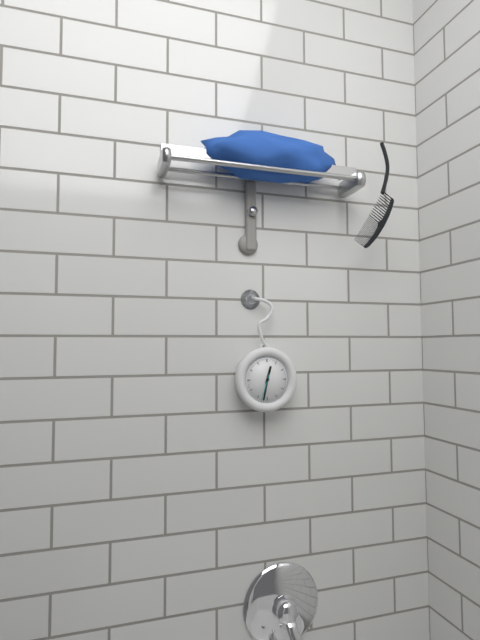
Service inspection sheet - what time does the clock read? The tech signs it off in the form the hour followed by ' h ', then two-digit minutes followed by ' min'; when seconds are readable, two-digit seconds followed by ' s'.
12 h 32 min
